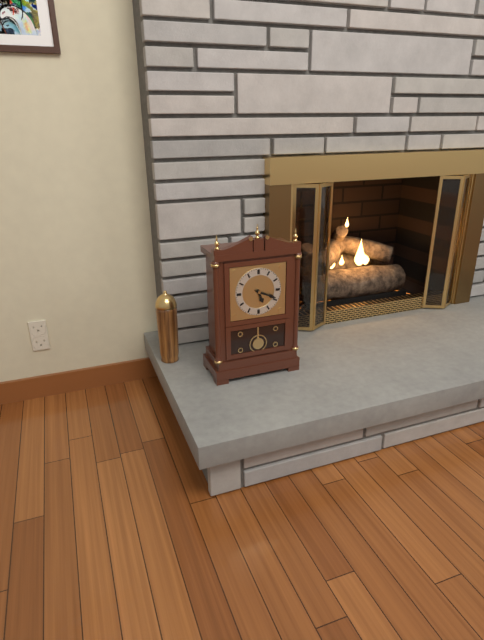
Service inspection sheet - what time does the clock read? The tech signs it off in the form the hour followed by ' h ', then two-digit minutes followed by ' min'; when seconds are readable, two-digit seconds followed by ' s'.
5 h 19 min
